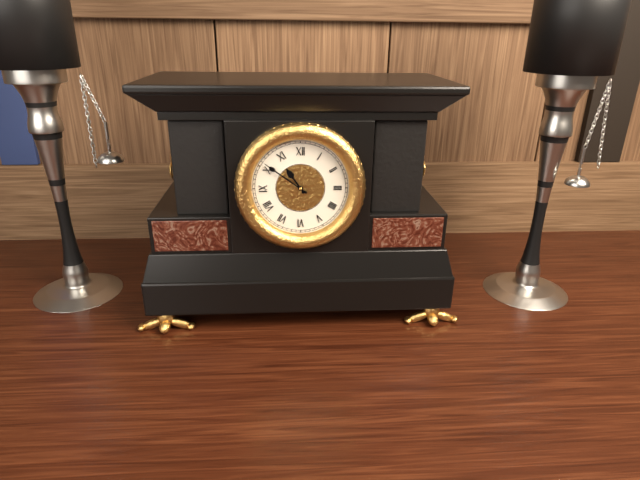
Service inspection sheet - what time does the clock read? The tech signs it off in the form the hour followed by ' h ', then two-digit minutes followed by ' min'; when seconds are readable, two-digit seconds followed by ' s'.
10 h 51 min
